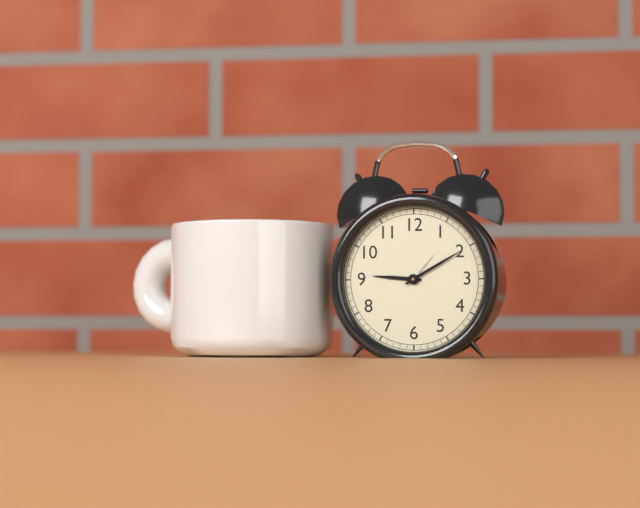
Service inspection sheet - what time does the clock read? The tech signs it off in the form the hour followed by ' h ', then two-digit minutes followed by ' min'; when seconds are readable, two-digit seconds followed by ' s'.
9 h 10 min
